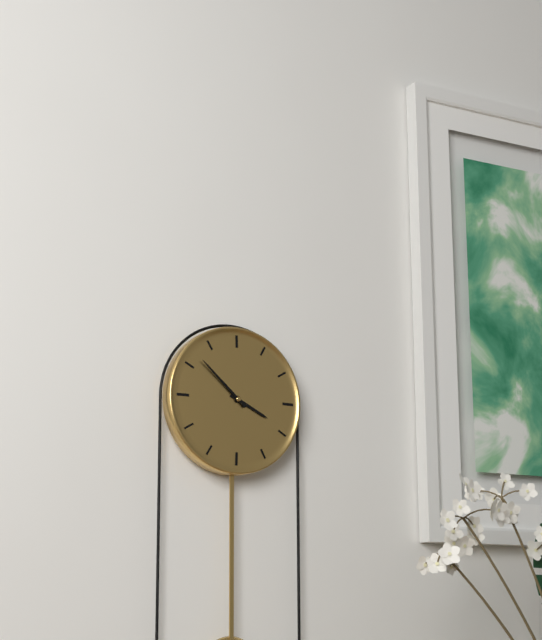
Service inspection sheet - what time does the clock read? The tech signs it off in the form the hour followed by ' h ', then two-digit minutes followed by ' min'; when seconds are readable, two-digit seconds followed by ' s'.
3 h 52 min
